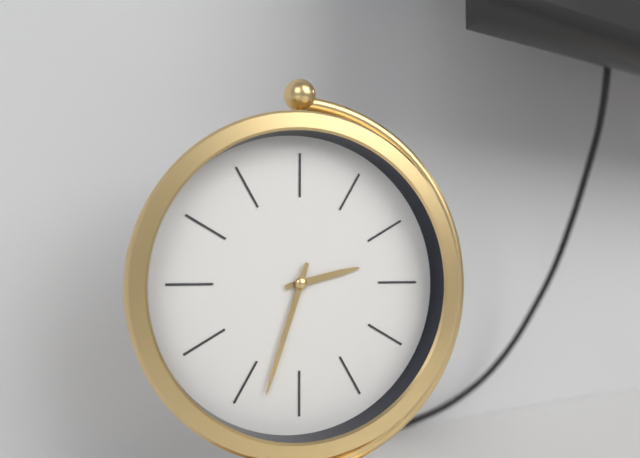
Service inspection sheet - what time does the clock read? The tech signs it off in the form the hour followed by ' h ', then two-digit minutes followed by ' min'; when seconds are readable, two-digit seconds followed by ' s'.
2 h 33 min
